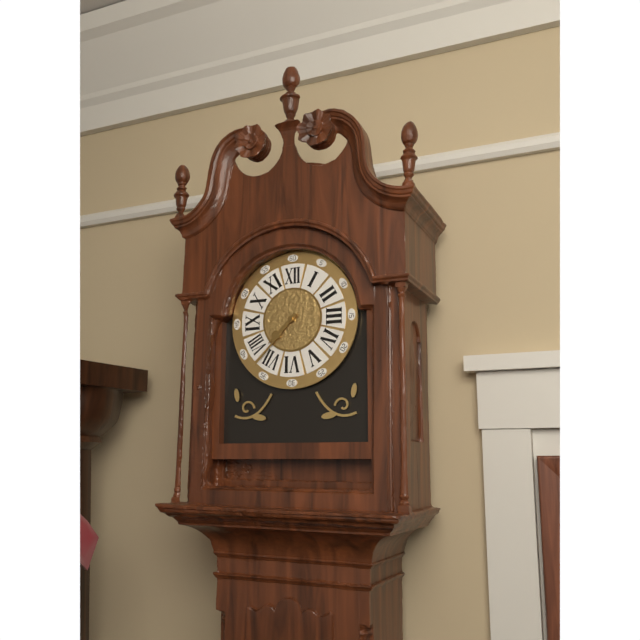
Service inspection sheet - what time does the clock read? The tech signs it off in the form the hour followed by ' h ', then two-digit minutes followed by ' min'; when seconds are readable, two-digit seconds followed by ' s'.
7 h 37 min
